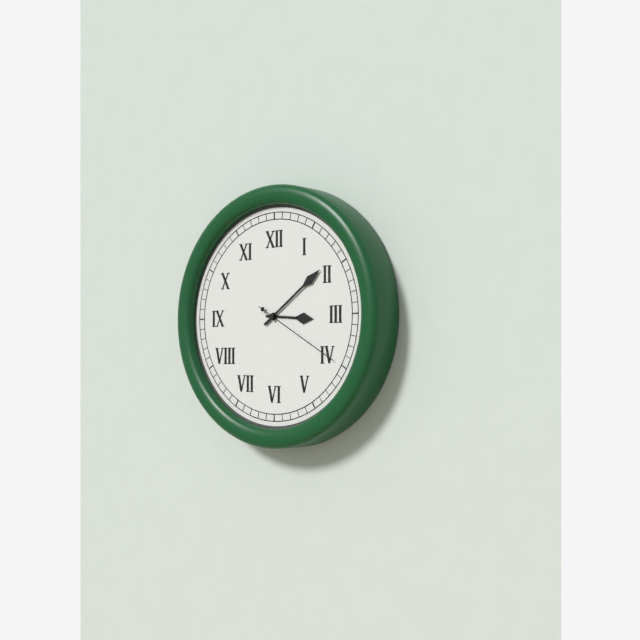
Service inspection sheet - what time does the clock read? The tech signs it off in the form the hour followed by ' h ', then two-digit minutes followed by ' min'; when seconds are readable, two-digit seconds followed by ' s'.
3 h 09 min 20 s
